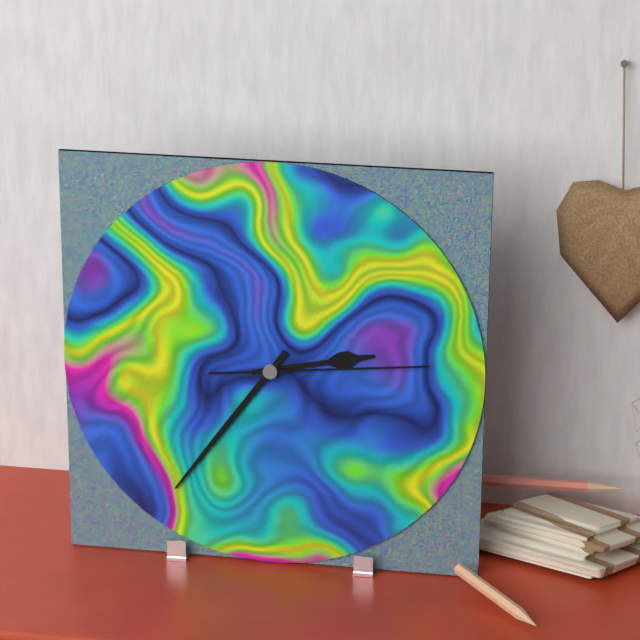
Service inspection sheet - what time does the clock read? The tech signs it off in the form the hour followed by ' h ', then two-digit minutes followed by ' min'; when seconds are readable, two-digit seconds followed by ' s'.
2 h 36 min 14 s
